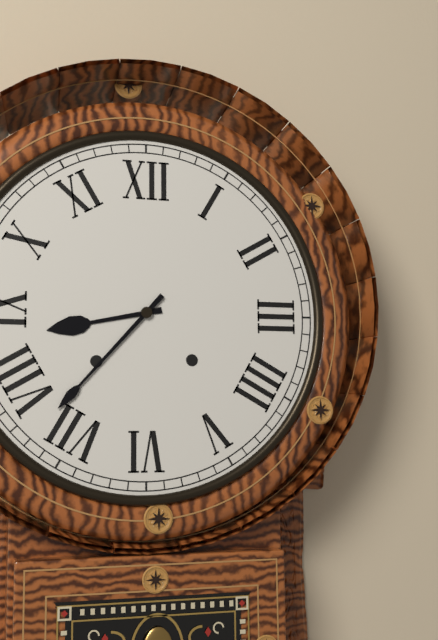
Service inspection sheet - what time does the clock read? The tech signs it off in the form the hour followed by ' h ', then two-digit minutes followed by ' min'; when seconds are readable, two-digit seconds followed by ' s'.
8 h 37 min
